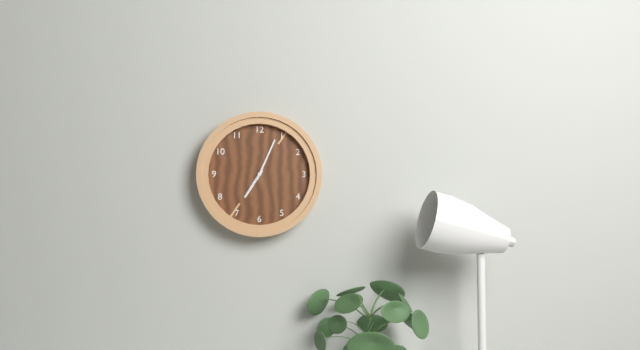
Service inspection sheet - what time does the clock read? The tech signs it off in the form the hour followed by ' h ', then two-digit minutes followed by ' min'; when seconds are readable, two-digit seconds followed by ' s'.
7 h 04 min
